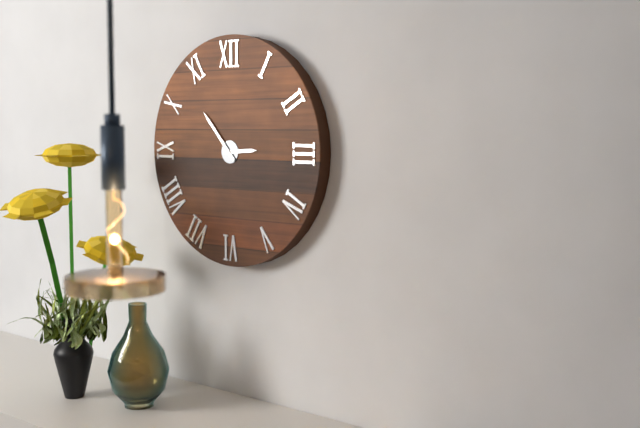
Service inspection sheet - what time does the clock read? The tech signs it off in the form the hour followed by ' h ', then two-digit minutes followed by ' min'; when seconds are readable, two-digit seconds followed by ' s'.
2 h 53 min
